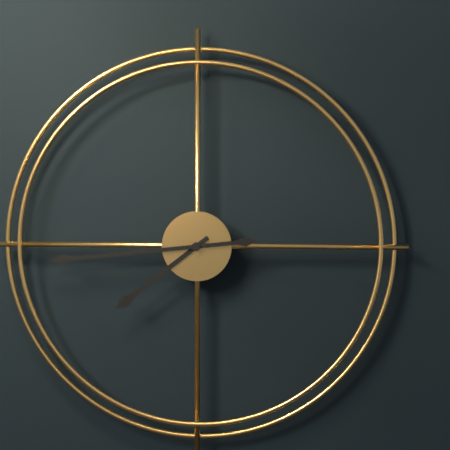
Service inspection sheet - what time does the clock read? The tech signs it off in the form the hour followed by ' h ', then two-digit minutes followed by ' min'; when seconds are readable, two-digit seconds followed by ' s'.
7 h 44 min
